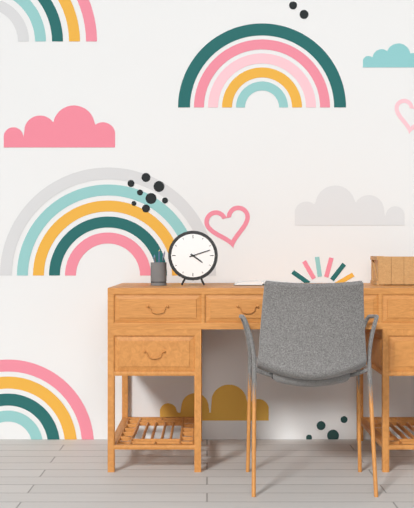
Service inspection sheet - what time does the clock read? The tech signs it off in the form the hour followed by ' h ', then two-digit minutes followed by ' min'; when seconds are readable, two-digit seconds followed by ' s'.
4 h 12 min
